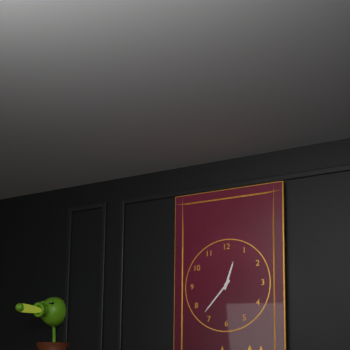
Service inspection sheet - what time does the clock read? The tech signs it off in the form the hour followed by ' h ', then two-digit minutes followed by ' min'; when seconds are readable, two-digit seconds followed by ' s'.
12 h 37 min
